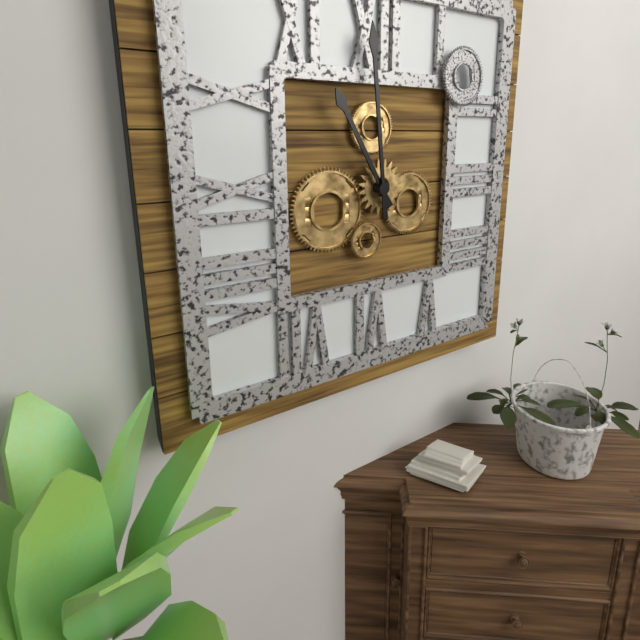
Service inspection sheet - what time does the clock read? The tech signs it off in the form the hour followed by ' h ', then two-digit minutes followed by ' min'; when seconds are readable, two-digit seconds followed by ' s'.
10 h 59 min
